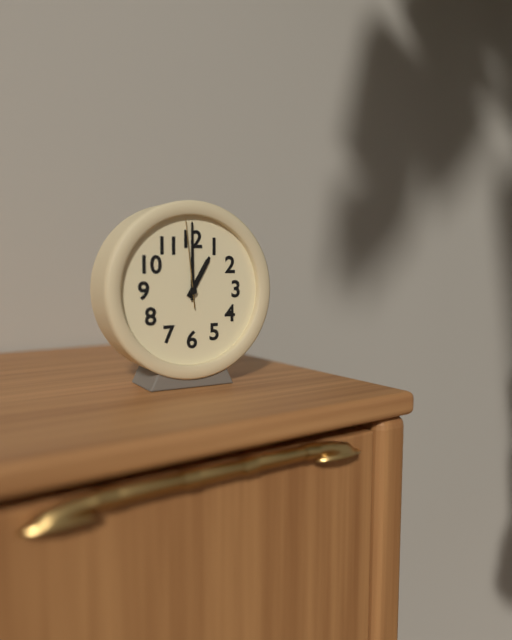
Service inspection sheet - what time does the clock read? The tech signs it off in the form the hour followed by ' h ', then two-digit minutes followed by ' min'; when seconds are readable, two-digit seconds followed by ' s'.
1 h 00 min 59 s
